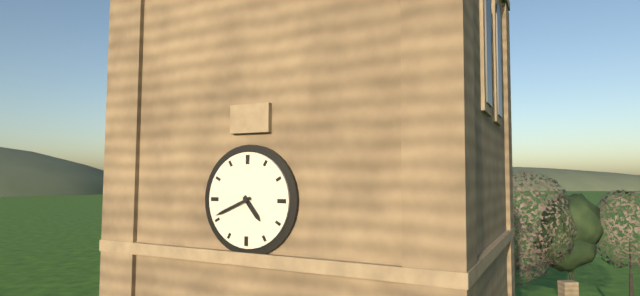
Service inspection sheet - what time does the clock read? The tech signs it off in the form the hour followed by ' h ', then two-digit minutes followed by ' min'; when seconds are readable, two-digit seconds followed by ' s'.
4 h 41 min
